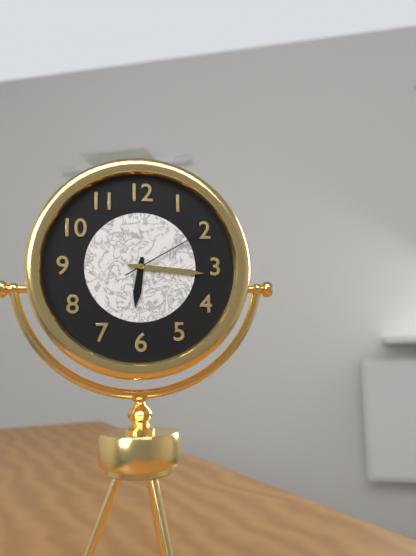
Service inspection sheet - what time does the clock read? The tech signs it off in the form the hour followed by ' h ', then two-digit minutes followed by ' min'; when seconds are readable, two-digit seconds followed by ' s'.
6 h 16 min 10 s
